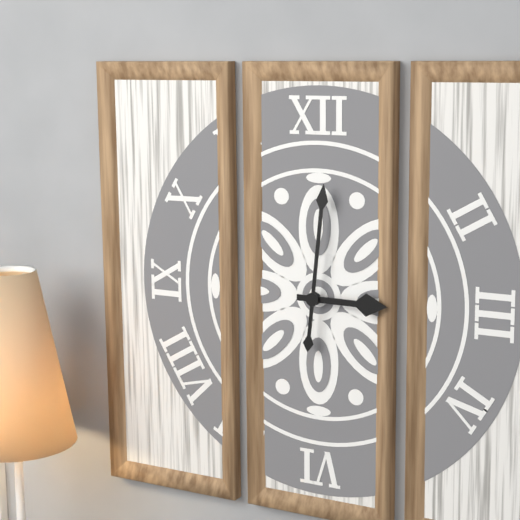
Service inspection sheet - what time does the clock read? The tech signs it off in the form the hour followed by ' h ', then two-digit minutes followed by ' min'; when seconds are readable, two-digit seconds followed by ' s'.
3 h 01 min
